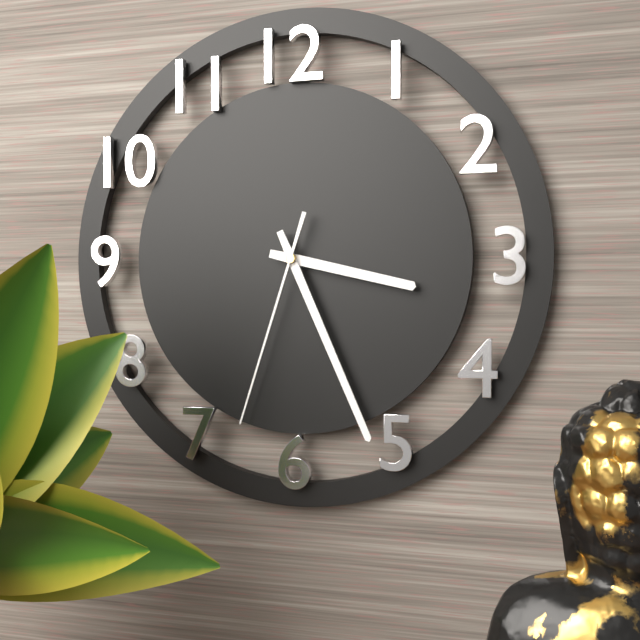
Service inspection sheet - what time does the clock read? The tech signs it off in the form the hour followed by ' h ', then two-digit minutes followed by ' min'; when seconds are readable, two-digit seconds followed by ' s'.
3 h 26 min 33 s
